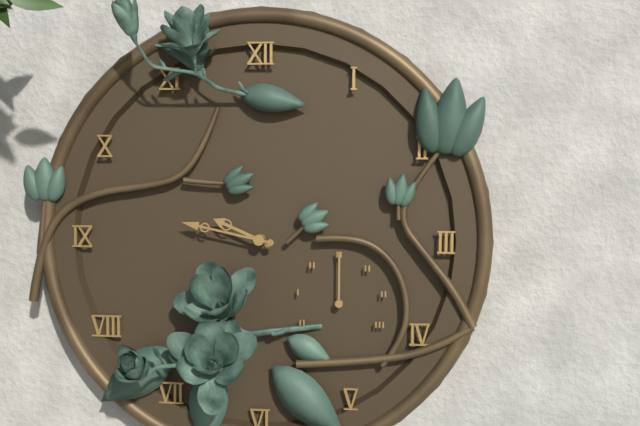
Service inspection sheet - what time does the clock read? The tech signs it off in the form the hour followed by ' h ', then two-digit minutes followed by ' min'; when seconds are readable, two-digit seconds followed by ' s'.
9 h 47 min
